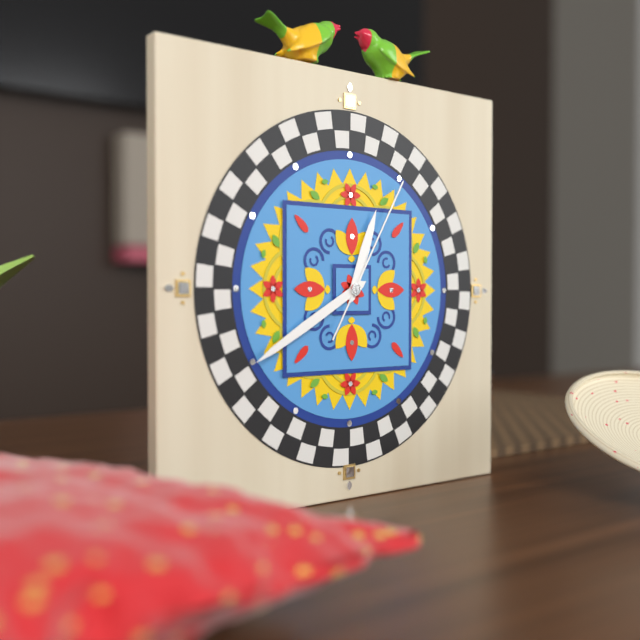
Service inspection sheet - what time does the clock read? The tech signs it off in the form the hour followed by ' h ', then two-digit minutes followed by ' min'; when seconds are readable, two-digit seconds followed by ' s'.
12 h 40 min 05 s
